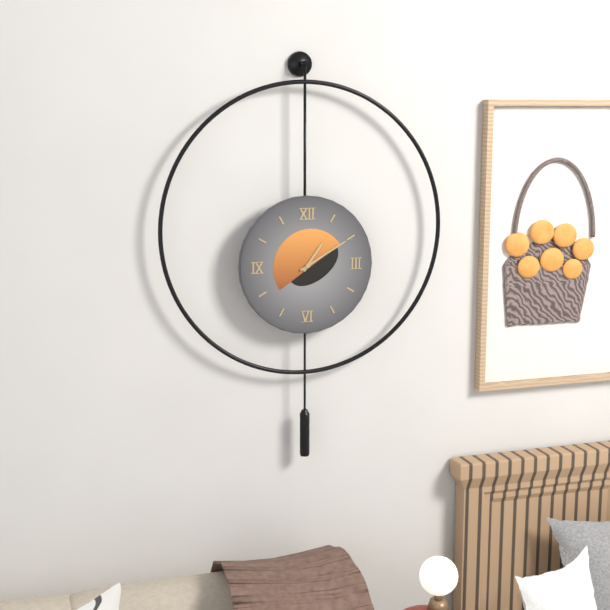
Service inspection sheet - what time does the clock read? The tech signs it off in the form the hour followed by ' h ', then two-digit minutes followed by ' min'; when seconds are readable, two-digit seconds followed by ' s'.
1 h 10 min
